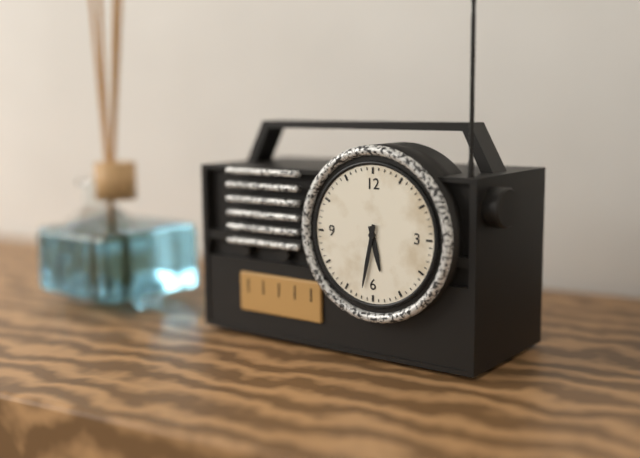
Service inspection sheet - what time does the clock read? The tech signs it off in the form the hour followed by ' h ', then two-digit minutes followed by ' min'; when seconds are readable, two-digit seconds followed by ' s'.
5 h 32 min
